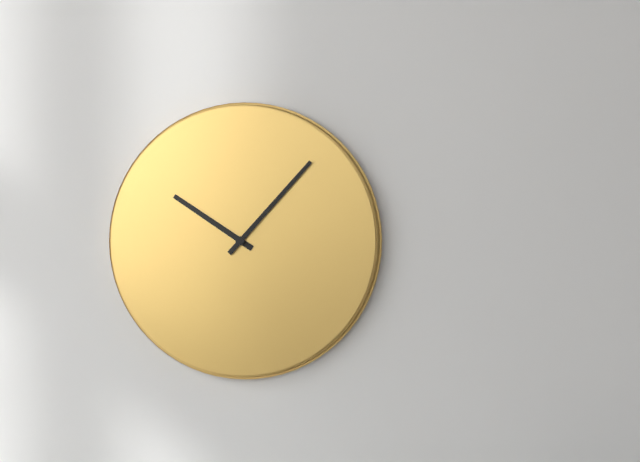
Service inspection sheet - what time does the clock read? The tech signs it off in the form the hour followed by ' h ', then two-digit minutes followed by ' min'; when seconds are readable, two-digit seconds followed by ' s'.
10 h 07 min
